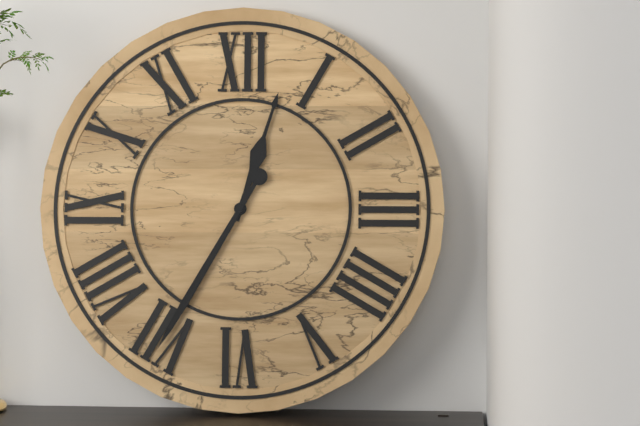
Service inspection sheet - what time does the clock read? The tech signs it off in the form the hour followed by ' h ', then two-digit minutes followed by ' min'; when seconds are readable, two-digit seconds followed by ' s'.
12 h 35 min
